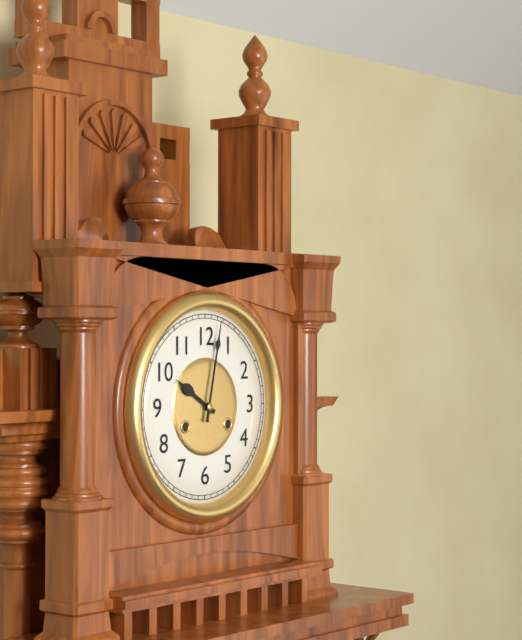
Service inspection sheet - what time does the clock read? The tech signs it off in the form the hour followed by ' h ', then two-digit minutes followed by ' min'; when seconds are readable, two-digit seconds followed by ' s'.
10 h 02 min
